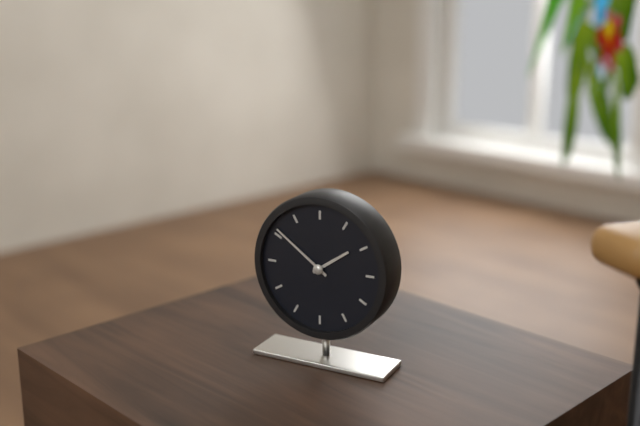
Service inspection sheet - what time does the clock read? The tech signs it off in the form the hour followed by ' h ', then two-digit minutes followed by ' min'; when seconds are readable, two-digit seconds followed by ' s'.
1 h 51 min
